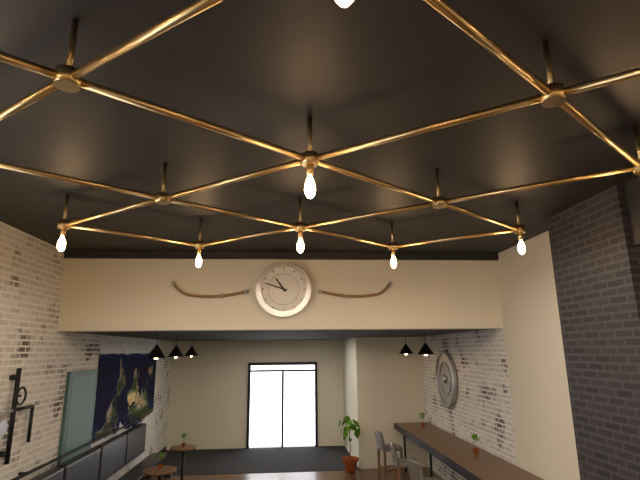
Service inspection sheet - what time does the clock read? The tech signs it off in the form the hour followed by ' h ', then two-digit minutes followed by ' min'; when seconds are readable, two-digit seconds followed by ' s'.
10 h 48 min
